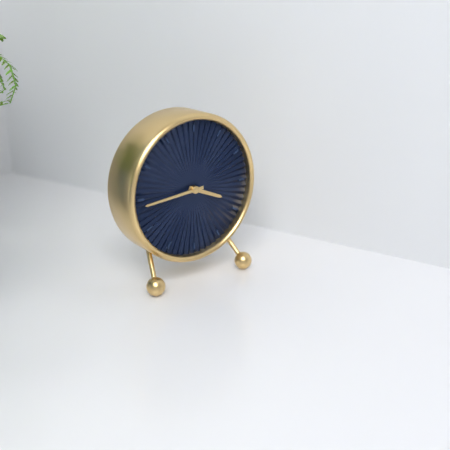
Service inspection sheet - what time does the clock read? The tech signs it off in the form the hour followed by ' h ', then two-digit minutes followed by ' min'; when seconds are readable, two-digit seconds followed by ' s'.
3 h 44 min
